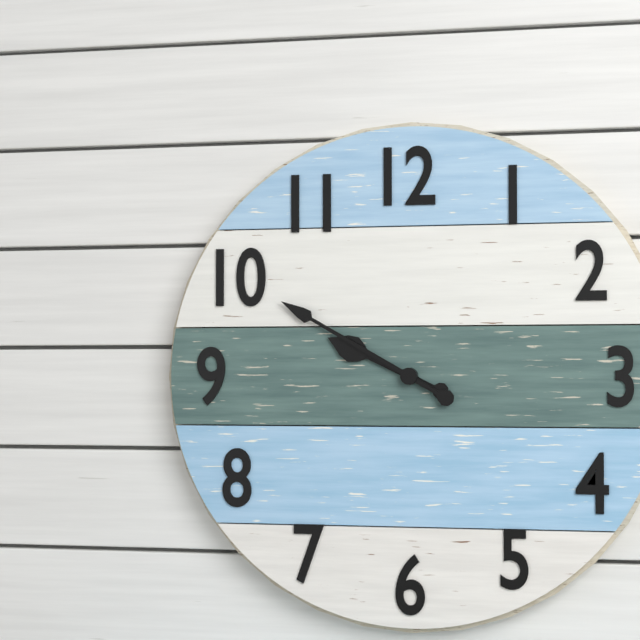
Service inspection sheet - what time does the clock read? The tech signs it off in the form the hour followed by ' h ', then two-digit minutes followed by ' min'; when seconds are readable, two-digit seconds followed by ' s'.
9 h 50 min
